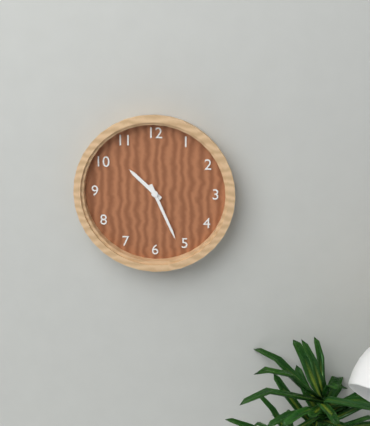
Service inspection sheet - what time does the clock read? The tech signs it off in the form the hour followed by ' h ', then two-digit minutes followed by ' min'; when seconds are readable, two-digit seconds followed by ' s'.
10 h 26 min
